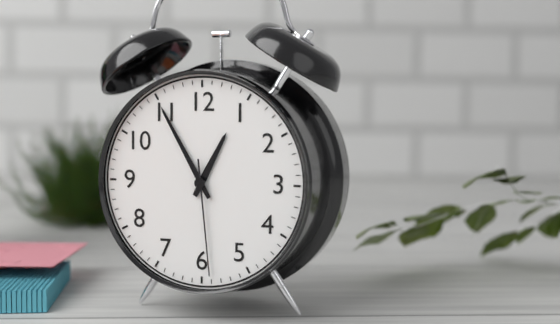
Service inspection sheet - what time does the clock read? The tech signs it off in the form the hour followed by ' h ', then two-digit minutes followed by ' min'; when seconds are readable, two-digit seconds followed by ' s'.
12 h 55 min 29 s
